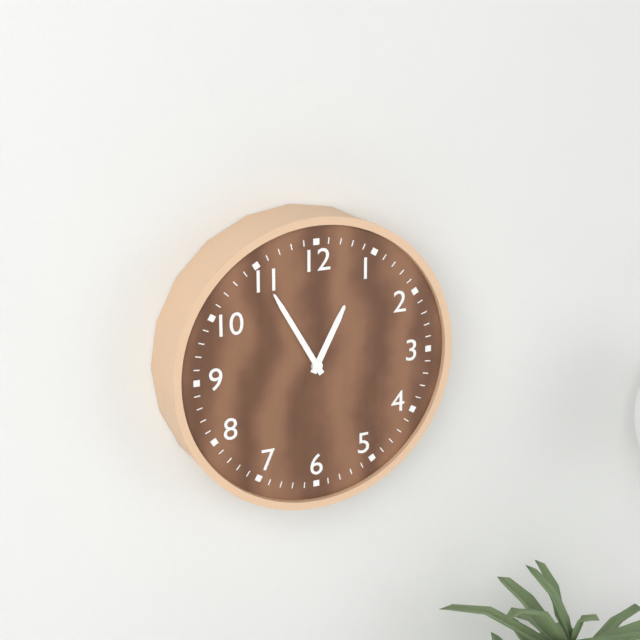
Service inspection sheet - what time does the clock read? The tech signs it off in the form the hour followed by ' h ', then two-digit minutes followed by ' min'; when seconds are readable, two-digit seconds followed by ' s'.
12 h 55 min
